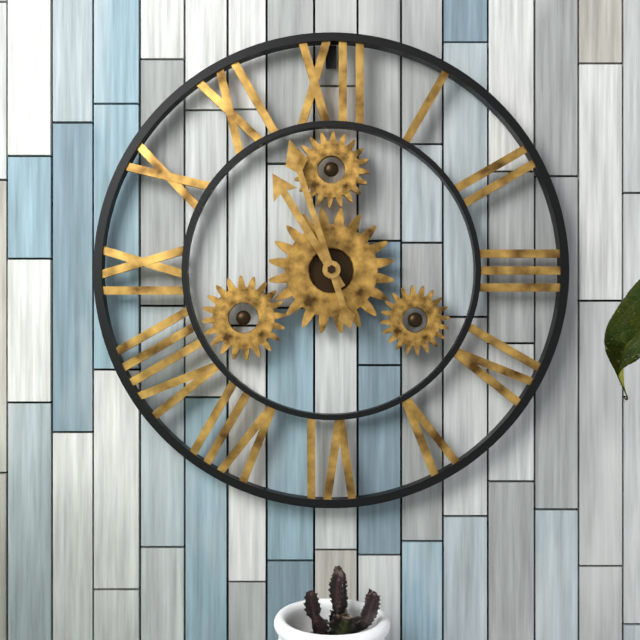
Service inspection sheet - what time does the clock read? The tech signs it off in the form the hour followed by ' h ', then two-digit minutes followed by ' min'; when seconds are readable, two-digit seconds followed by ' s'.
10 h 57 min
